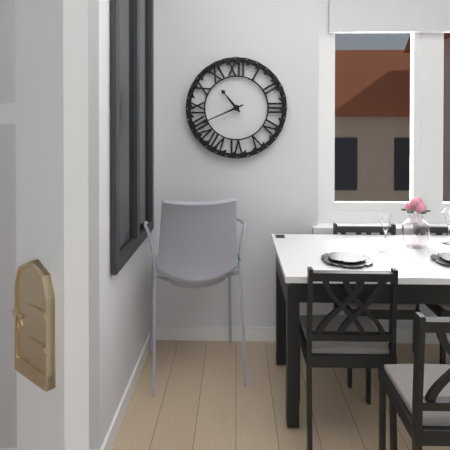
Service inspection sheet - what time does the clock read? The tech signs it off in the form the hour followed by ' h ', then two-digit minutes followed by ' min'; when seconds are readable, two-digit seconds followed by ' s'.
10 h 41 min
